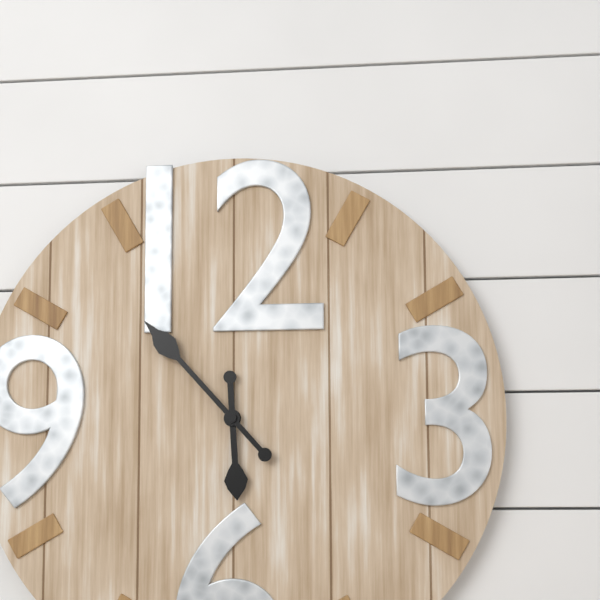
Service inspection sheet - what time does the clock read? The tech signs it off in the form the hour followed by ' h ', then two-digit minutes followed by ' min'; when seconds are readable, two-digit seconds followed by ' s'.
5 h 53 min
